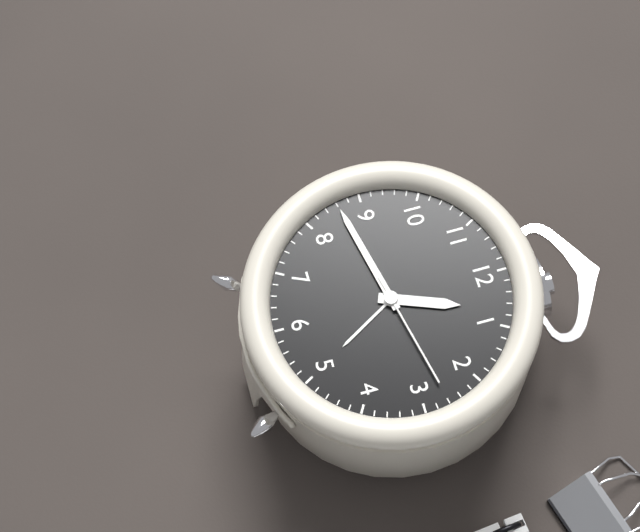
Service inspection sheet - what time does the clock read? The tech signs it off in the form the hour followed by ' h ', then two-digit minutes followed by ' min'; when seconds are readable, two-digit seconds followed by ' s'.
12 h 43 min 13 s
